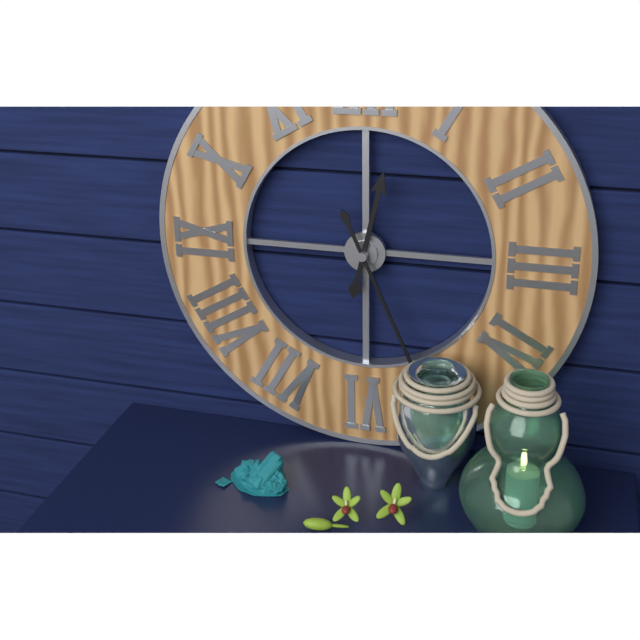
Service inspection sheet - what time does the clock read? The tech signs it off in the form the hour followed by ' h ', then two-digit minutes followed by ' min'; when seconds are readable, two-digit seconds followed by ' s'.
12 h 26 min
